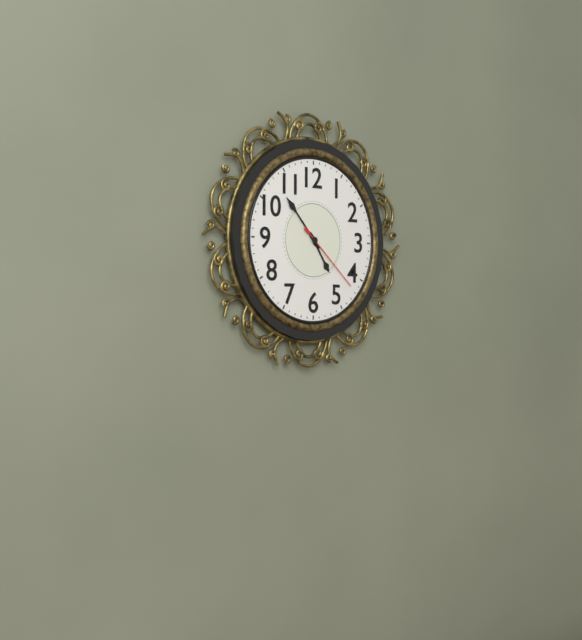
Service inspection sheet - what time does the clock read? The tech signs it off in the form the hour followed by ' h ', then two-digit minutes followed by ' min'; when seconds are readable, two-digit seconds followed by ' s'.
4 h 53 min 22 s
